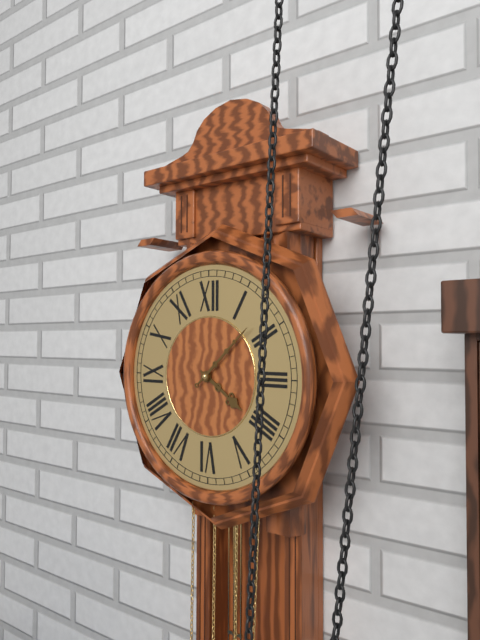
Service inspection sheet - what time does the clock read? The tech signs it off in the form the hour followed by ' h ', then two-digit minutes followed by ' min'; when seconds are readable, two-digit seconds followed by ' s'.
4 h 08 min
